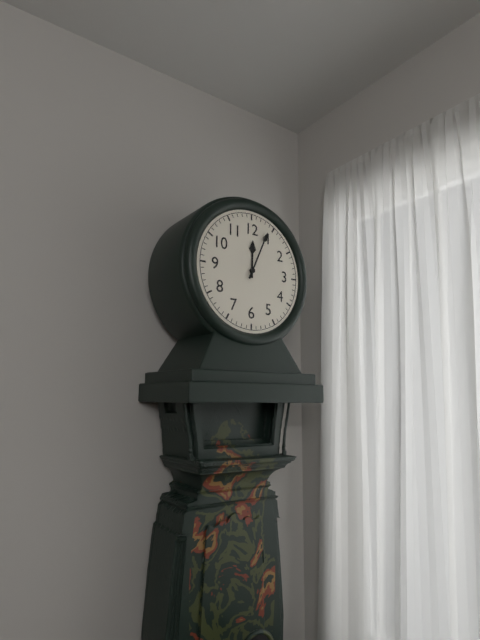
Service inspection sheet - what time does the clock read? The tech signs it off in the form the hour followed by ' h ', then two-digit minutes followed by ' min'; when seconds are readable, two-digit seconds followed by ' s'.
12 h 04 min
